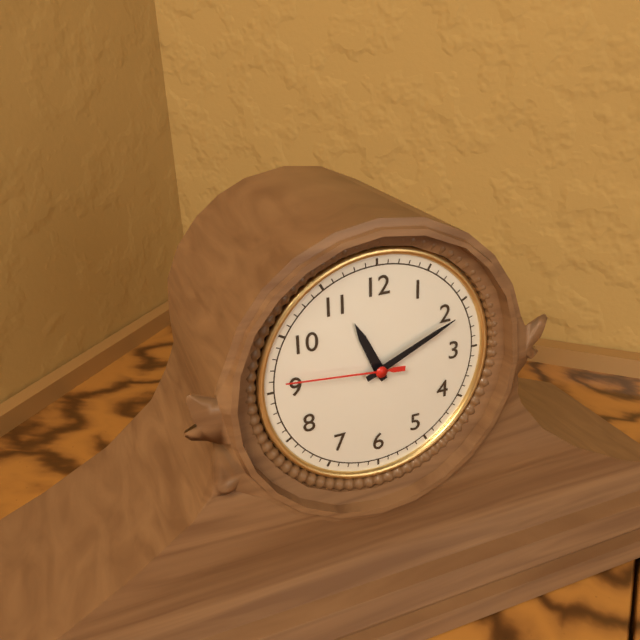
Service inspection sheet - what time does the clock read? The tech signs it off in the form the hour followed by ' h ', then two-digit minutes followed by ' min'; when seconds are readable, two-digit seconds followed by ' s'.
11 h 11 min 46 s
